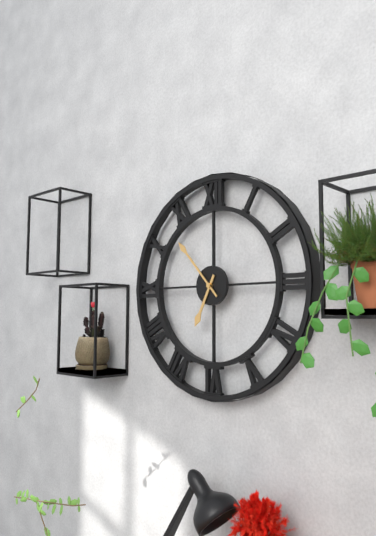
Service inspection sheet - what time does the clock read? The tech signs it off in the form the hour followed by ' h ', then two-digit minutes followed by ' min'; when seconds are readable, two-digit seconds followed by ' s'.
6 h 53 min
